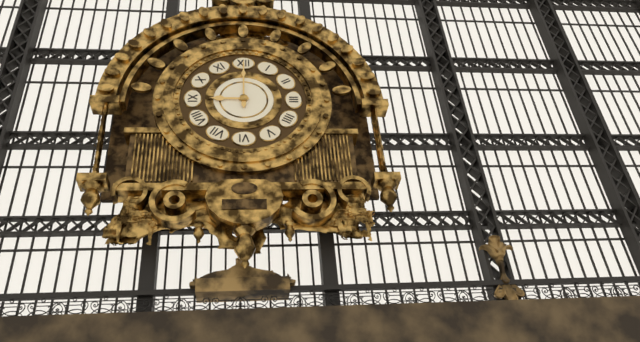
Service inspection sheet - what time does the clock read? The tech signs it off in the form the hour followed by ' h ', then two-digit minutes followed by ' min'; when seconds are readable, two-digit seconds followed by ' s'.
9 h 00 min
